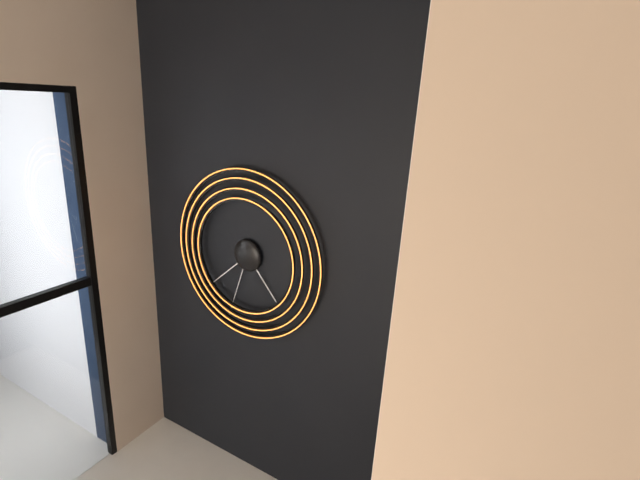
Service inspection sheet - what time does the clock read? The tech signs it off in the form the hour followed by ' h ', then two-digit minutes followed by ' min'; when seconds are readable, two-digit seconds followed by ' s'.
4 h 38 min 33 s
